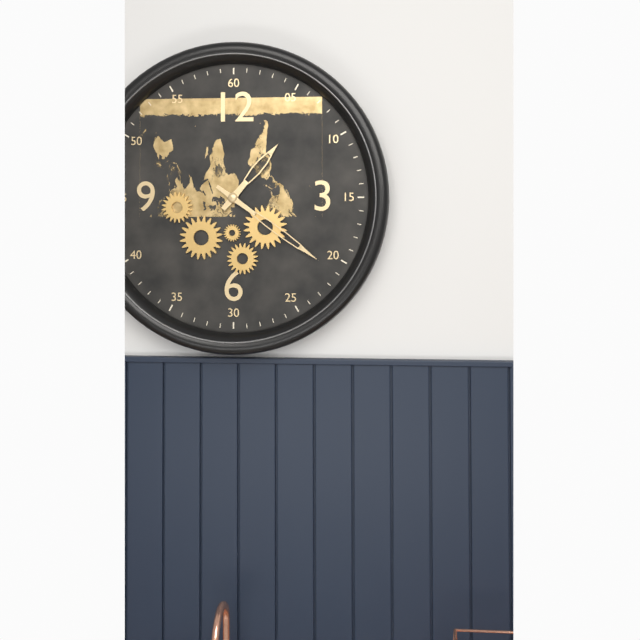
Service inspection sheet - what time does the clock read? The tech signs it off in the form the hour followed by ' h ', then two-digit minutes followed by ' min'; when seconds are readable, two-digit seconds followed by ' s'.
1 h 21 min
